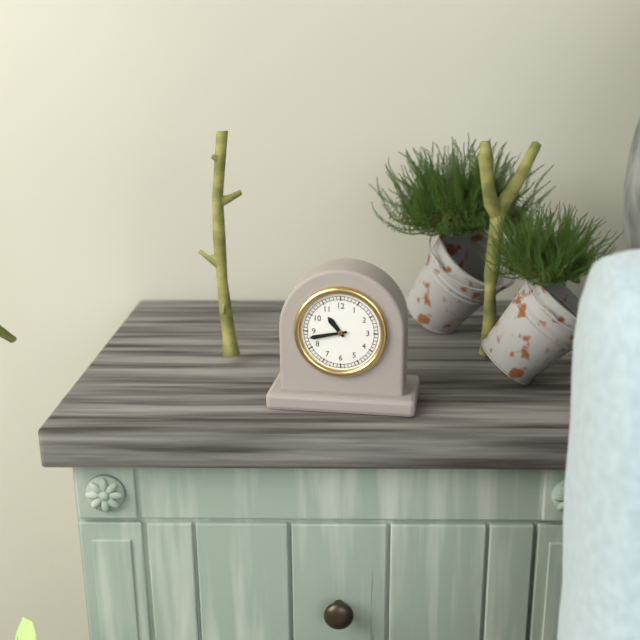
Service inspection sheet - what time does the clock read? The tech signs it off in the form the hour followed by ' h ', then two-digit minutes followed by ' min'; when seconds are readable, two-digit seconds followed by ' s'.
10 h 43 min
